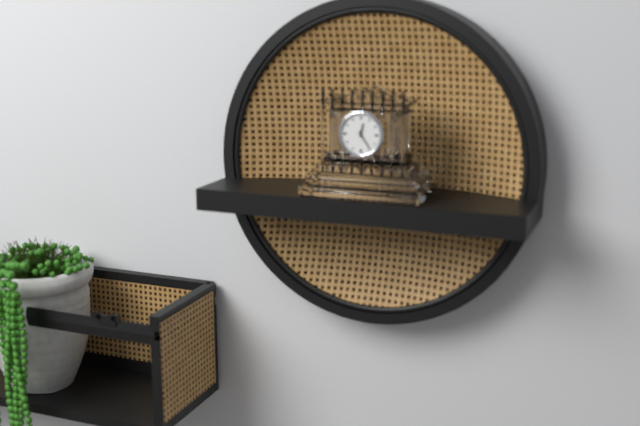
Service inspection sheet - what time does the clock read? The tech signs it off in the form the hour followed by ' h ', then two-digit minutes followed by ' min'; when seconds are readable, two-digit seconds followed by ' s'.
12 h 24 min
